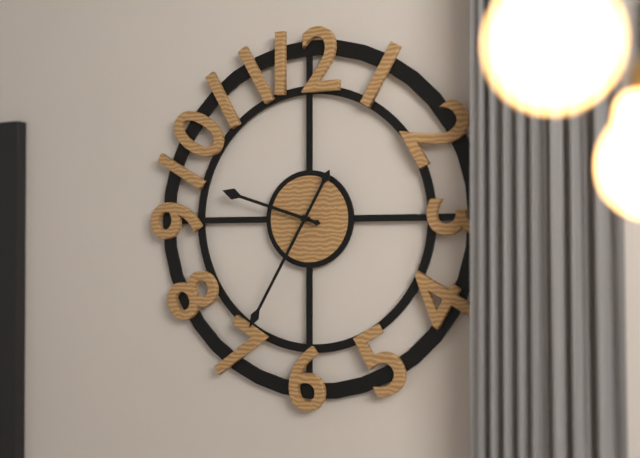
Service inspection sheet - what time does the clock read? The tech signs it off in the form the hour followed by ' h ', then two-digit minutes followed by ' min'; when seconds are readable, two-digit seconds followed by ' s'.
9 h 35 min
